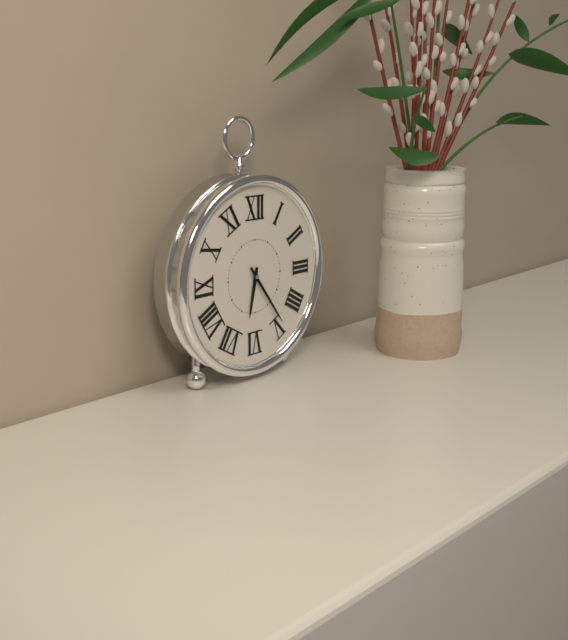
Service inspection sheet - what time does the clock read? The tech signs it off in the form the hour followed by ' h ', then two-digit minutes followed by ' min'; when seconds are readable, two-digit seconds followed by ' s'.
6 h 24 min
